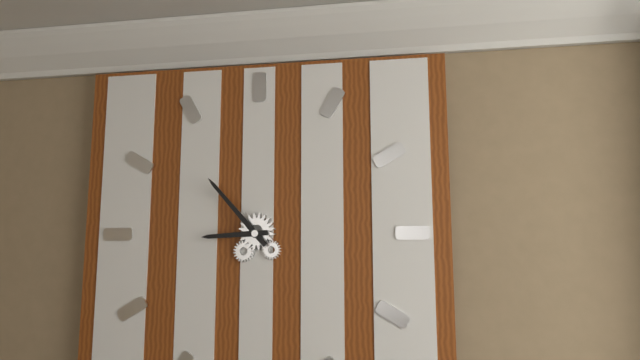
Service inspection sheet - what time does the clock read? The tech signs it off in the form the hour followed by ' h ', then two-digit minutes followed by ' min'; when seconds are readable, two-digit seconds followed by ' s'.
8 h 53 min
